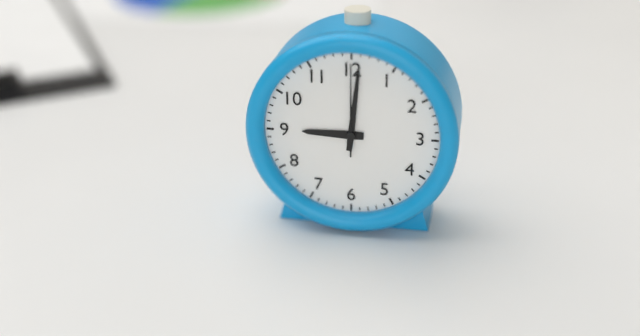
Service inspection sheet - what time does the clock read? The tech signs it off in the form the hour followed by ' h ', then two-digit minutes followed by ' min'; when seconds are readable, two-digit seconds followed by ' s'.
9 h 01 min 00 s
